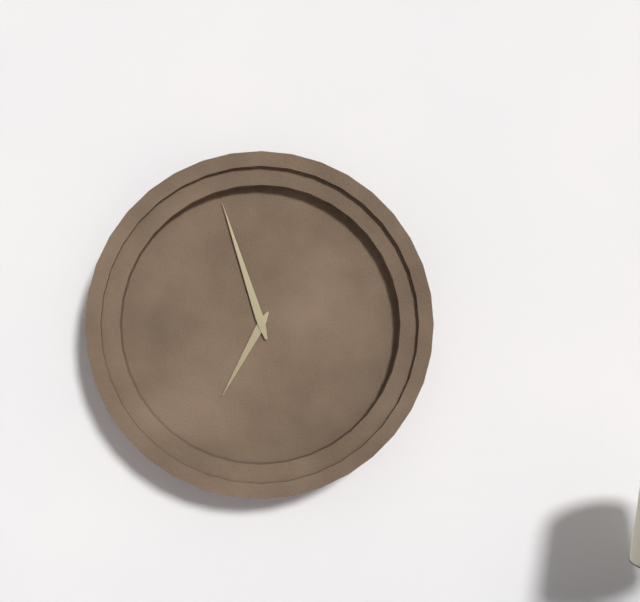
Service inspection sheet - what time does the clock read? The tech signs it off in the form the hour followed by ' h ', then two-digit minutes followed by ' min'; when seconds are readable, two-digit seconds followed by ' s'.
6 h 57 min
